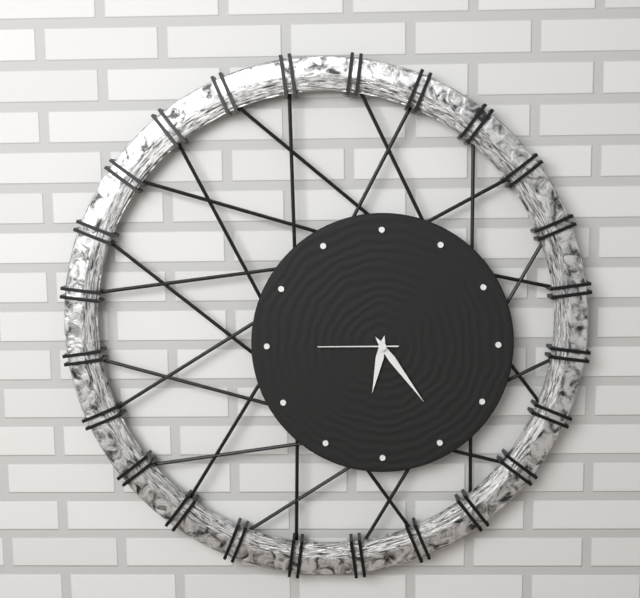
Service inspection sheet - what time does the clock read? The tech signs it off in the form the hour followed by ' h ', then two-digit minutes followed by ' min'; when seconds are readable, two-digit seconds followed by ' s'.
6 h 24 min 45 s
